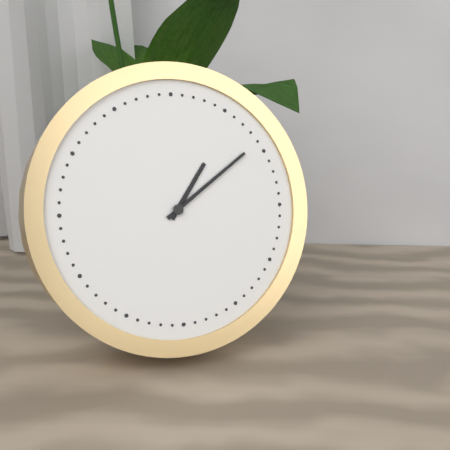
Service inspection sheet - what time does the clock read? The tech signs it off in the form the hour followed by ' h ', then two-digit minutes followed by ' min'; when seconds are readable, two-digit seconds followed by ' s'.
1 h 09 min
